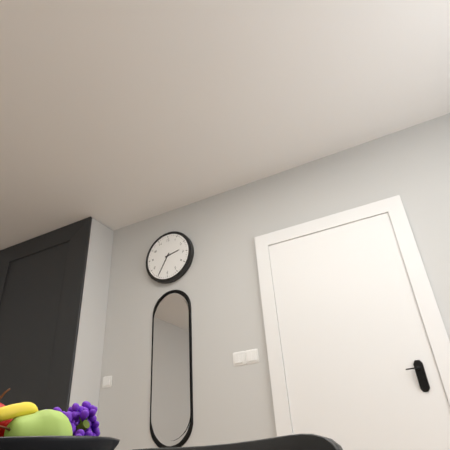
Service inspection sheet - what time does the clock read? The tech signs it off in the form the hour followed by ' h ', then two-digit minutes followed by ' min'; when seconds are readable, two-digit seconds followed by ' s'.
2 h 35 min
